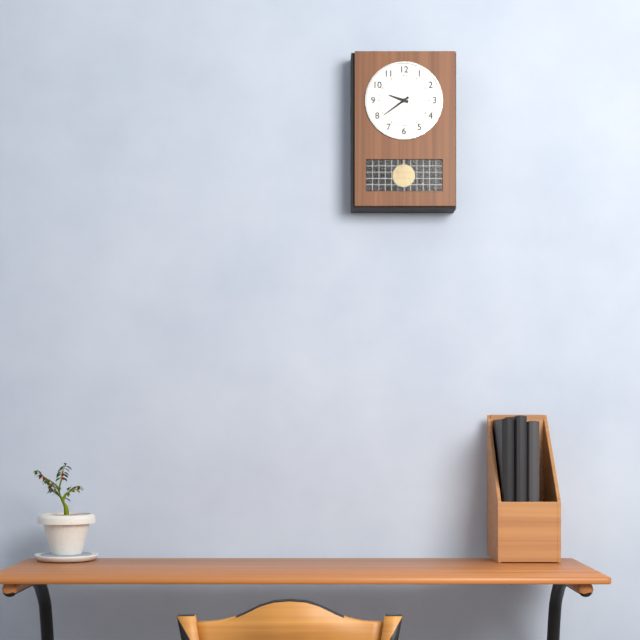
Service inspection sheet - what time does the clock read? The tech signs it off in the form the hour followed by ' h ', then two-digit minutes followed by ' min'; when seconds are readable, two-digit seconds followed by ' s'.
9 h 39 min
